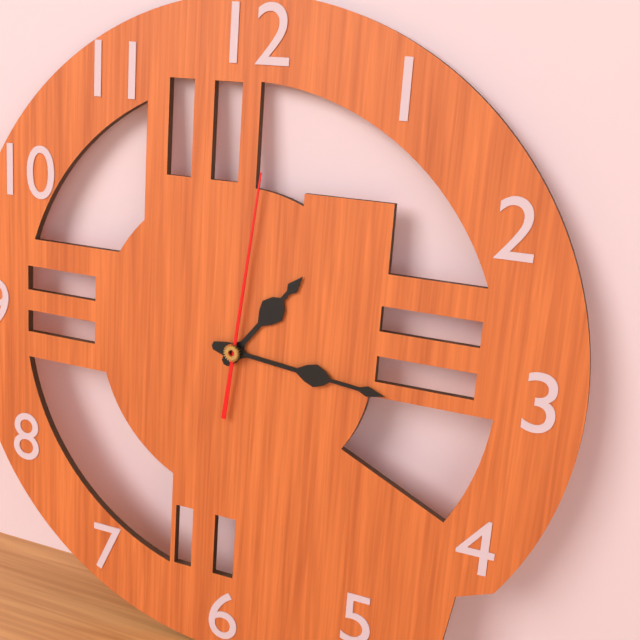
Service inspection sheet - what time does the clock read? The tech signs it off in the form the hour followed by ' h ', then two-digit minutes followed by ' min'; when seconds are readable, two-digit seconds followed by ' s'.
1 h 16 min 01 s
